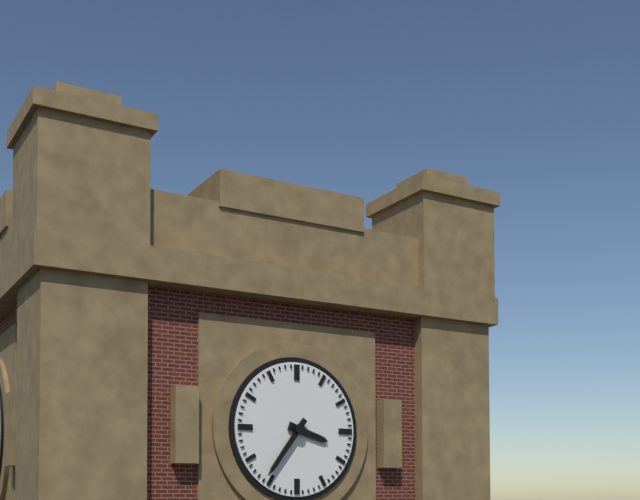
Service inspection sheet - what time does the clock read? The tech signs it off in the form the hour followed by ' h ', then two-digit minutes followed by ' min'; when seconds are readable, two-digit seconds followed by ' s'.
3 h 36 min
